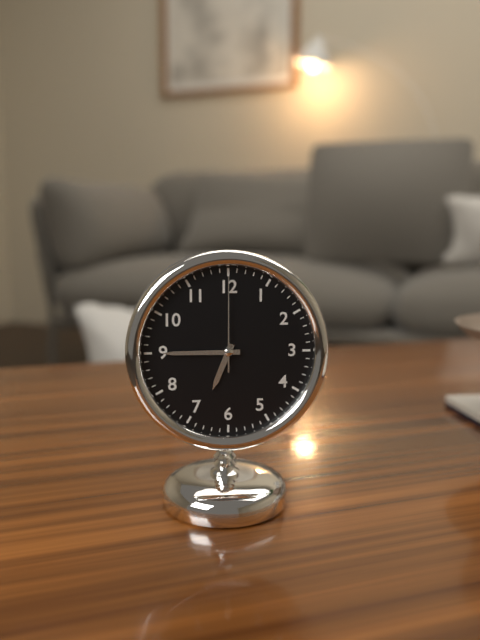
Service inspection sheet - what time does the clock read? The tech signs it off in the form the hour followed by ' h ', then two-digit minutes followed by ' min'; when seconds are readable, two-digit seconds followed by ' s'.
6 h 45 min 00 s
